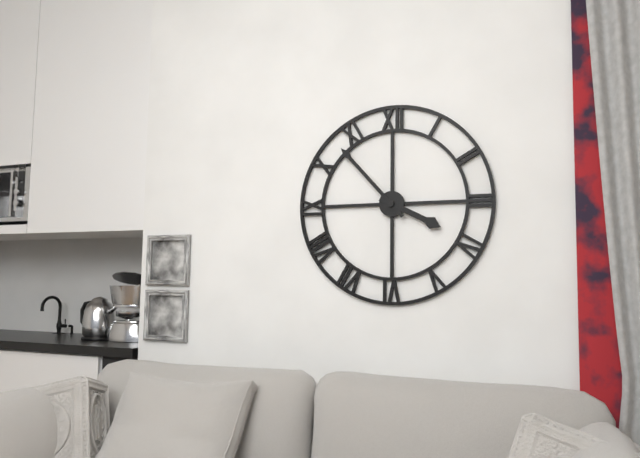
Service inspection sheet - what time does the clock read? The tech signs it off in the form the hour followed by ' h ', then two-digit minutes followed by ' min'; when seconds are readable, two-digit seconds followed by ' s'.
3 h 53 min
